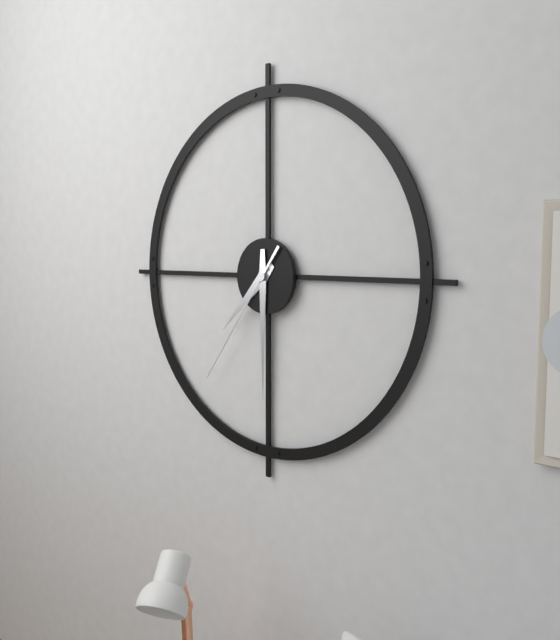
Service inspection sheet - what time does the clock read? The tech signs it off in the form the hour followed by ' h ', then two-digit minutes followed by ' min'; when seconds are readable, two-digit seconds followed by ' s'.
7 h 30 min 36 s
